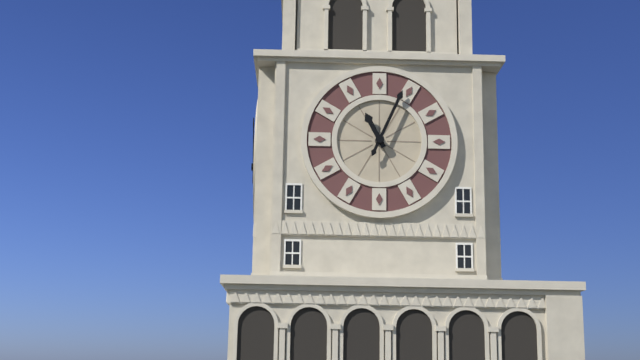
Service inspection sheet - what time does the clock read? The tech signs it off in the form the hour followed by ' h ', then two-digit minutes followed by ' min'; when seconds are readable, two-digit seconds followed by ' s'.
11 h 04 min
